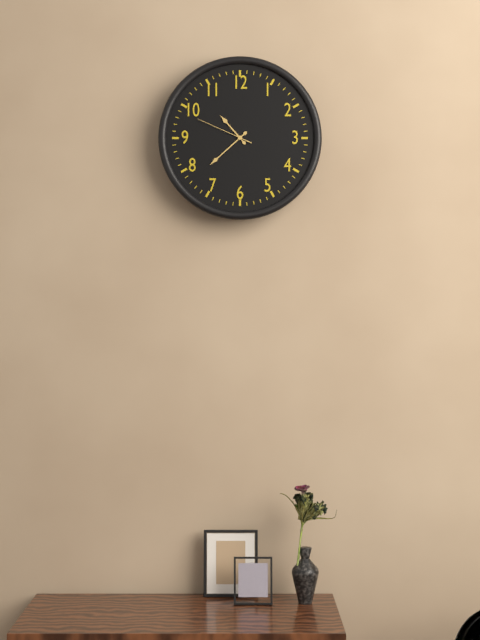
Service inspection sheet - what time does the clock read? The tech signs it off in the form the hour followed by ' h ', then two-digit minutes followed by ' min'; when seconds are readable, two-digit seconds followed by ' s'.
10 h 38 min 49 s
